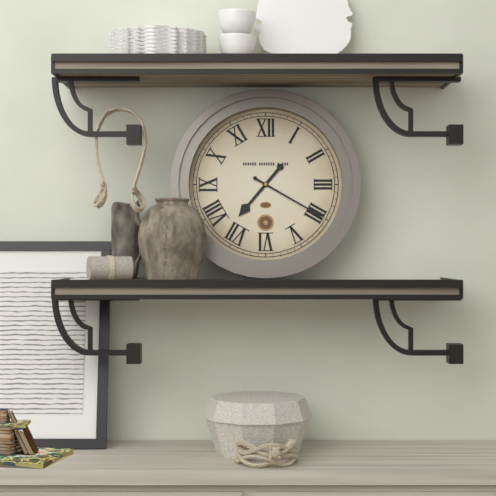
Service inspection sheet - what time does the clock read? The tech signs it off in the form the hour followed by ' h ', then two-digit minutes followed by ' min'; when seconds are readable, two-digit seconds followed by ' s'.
7 h 20 min
